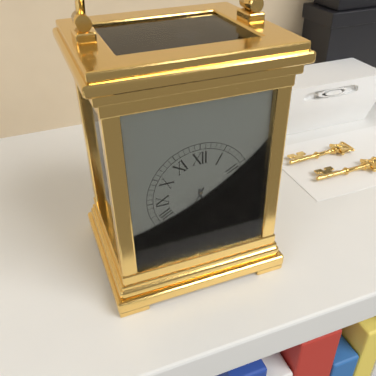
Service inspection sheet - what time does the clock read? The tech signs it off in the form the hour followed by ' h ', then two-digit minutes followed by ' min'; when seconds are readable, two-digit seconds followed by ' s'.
5 h 35 min
